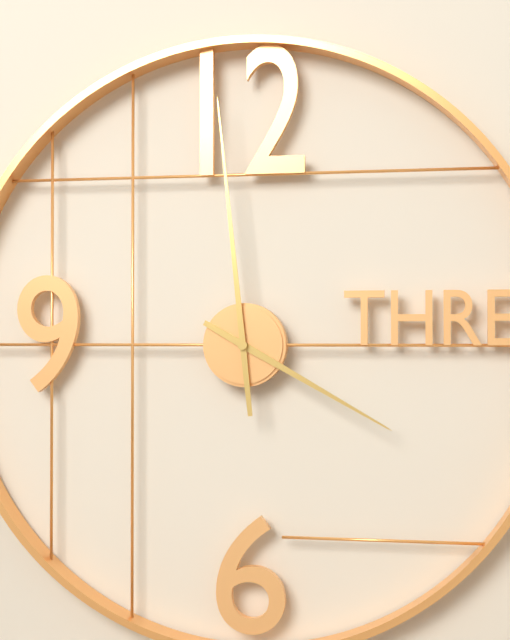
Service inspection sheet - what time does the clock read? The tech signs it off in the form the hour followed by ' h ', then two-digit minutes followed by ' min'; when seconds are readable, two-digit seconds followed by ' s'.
3 h 59 min
